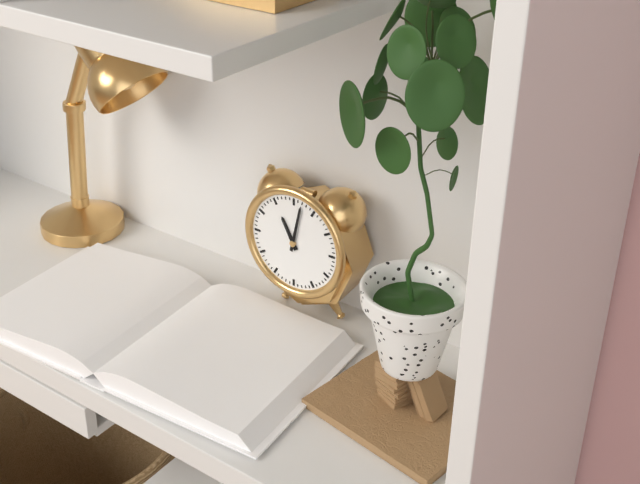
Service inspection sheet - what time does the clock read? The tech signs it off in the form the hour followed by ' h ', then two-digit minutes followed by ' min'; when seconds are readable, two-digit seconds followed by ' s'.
11 h 02 min
